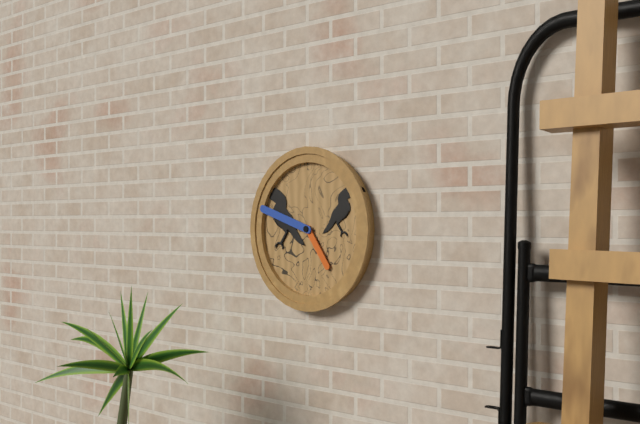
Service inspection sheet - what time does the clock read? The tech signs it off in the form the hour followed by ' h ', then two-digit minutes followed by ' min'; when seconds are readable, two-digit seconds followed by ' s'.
4 h 48 min
